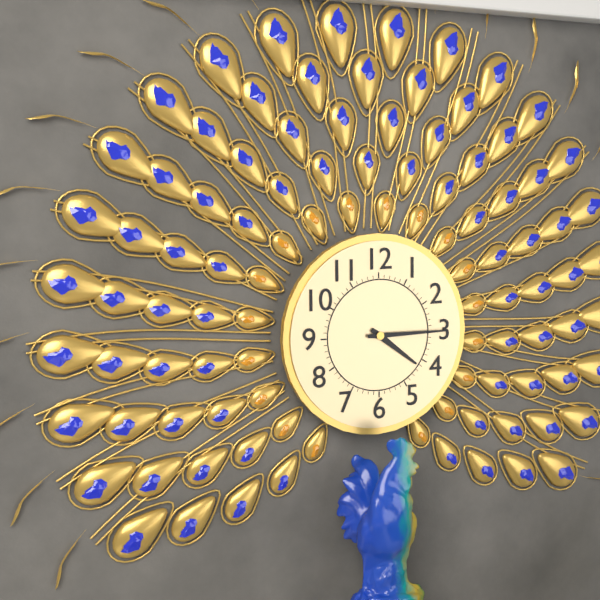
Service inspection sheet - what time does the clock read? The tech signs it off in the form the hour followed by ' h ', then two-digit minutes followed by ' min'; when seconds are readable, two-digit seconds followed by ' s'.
4 h 15 min
